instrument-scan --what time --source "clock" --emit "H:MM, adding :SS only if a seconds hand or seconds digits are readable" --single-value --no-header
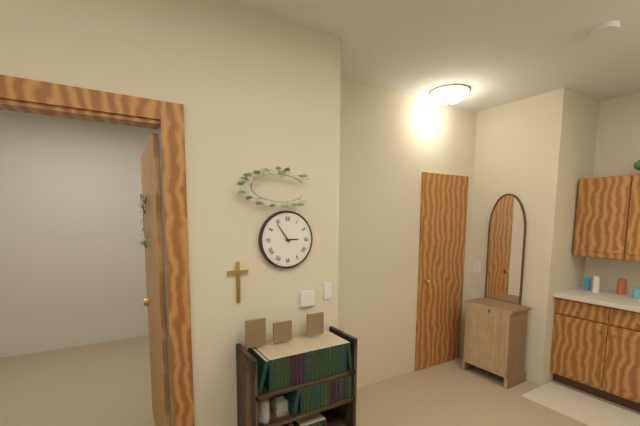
2:54
